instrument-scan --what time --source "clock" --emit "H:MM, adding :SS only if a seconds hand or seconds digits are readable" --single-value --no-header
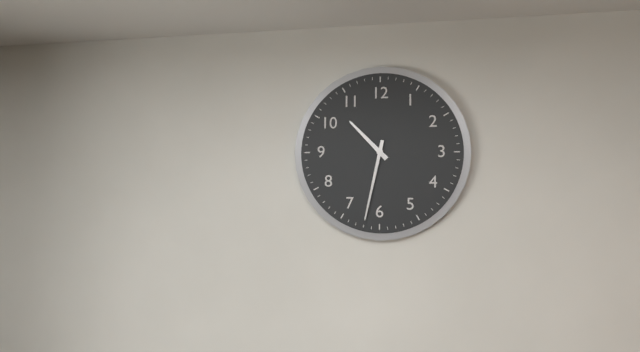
10:32
